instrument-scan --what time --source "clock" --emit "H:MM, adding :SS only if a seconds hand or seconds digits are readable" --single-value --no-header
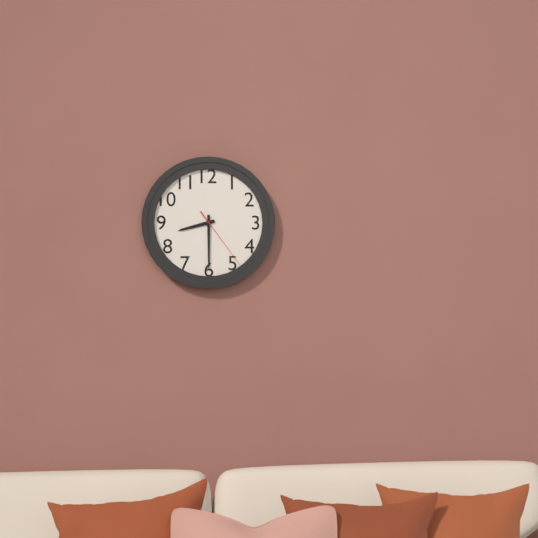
8:30:24
